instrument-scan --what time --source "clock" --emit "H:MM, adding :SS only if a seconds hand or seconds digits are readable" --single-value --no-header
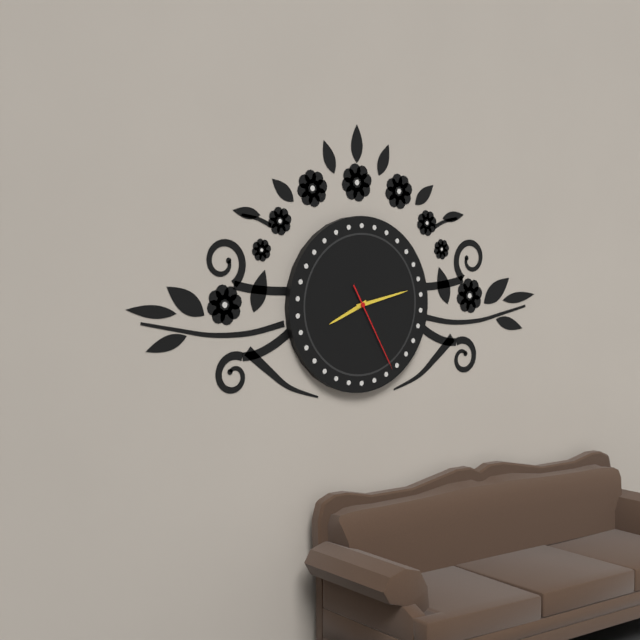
8:13:25
